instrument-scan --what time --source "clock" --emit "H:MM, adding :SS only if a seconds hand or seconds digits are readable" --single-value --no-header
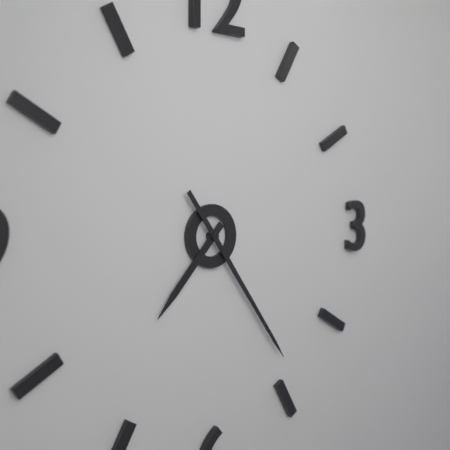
7:24
